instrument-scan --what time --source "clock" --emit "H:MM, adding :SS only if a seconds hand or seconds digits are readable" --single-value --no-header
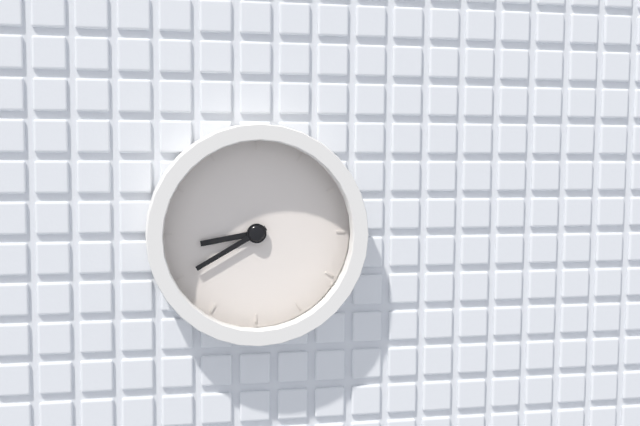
8:40
